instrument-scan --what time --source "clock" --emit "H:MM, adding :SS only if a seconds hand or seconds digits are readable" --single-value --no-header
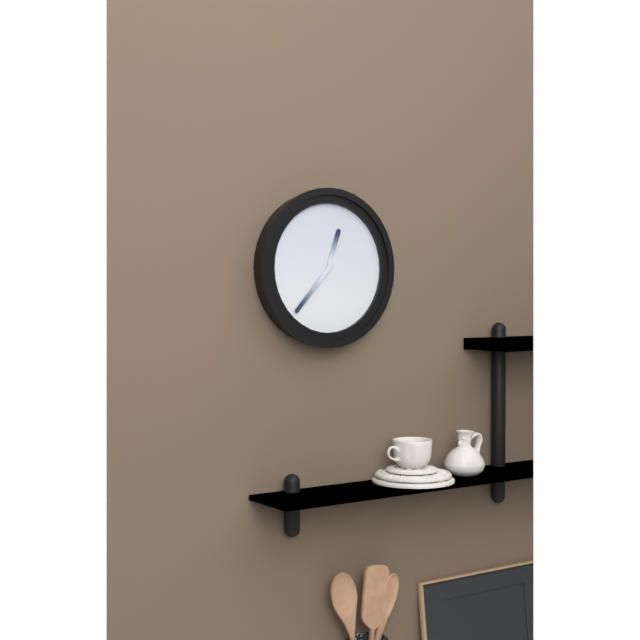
12:37
